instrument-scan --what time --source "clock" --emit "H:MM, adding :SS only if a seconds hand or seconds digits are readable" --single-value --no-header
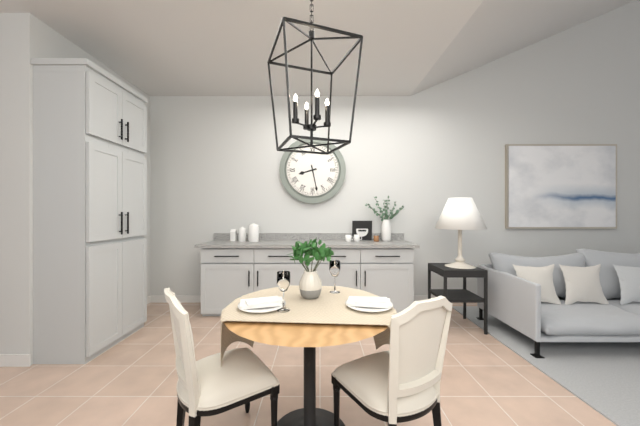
8:28
